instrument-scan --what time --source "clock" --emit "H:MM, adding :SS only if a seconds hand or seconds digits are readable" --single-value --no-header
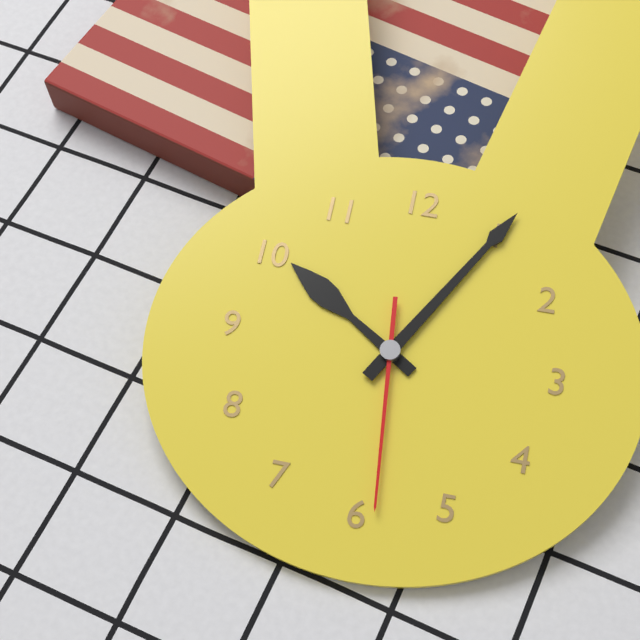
10:05:29
